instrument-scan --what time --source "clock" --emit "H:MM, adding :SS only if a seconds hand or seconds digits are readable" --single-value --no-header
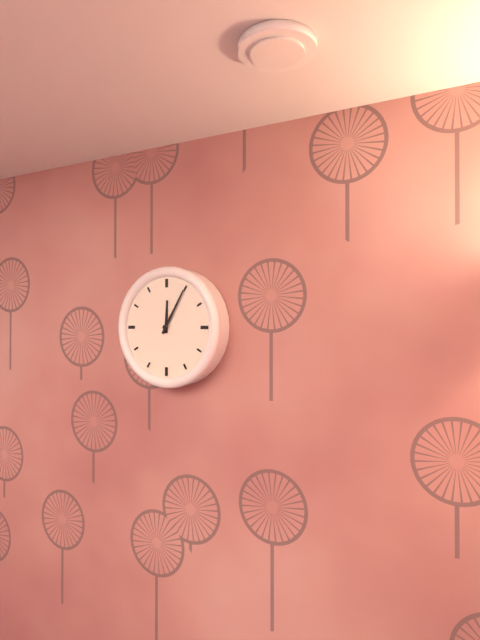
12:05
